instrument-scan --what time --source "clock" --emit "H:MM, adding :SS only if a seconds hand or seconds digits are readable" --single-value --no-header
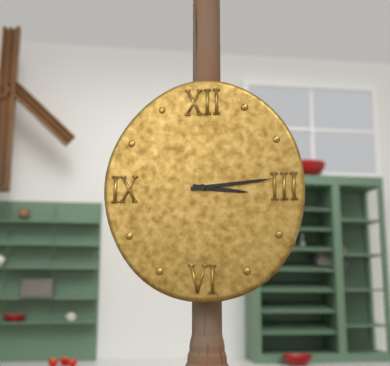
3:14
